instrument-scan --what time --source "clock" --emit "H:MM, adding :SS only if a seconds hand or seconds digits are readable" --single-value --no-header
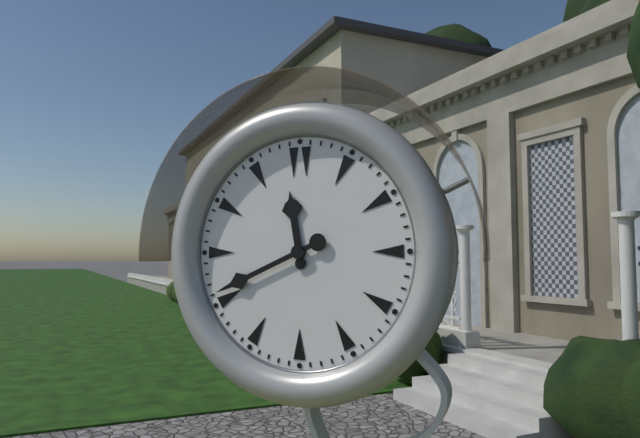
11:41
